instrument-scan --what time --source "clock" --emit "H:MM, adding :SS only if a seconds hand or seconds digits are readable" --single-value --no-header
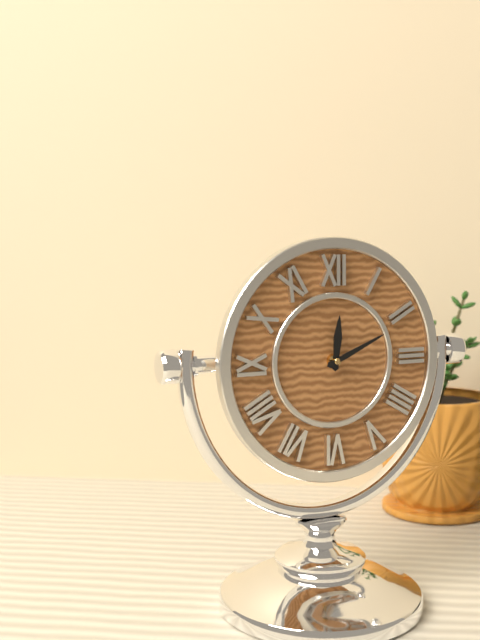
12:11
